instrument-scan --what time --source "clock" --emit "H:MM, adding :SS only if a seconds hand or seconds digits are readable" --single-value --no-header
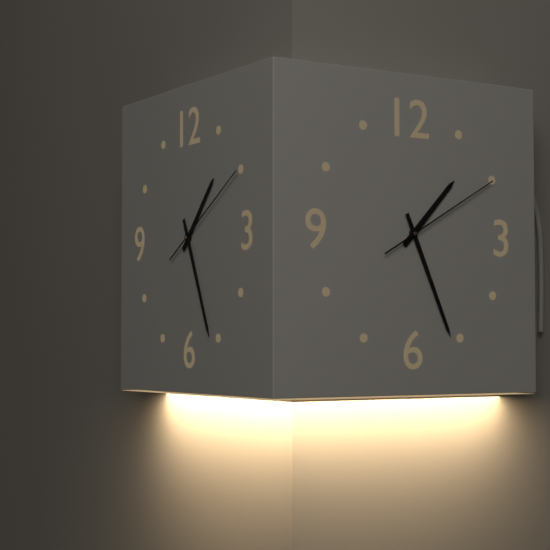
1:26:10
